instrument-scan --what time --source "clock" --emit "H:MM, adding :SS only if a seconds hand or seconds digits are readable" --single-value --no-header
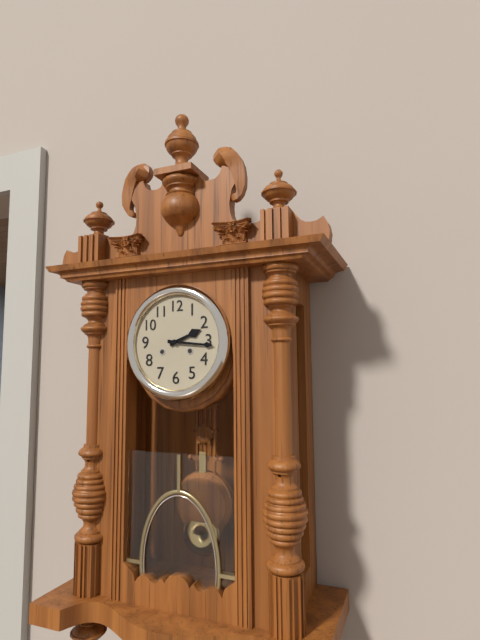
2:16
